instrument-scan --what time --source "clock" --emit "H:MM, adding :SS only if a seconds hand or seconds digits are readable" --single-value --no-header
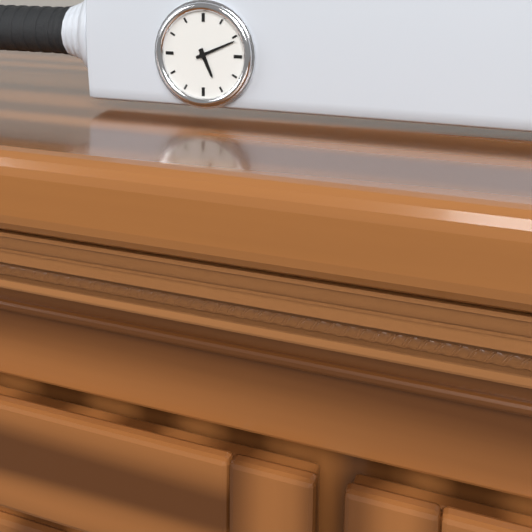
5:11
